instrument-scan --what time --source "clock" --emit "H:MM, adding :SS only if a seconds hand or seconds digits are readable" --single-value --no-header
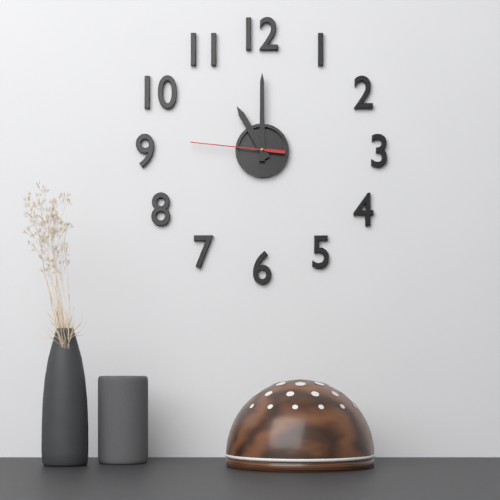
11:00:46
